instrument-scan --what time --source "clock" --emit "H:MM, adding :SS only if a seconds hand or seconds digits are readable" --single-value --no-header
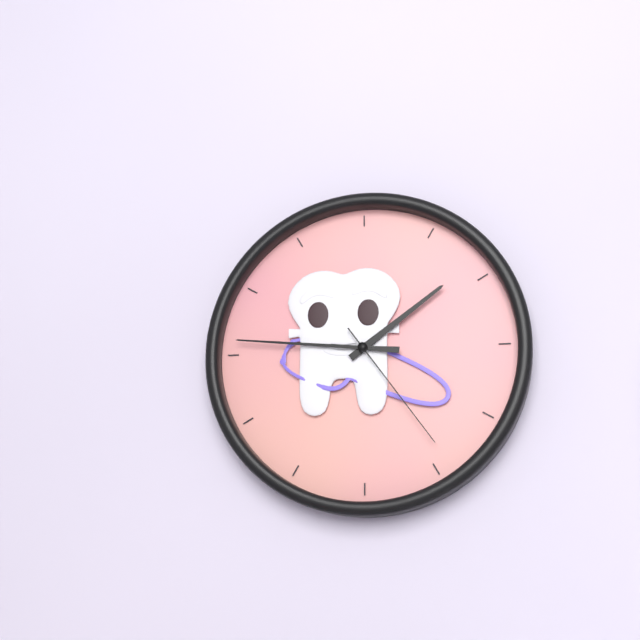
1:46:24
